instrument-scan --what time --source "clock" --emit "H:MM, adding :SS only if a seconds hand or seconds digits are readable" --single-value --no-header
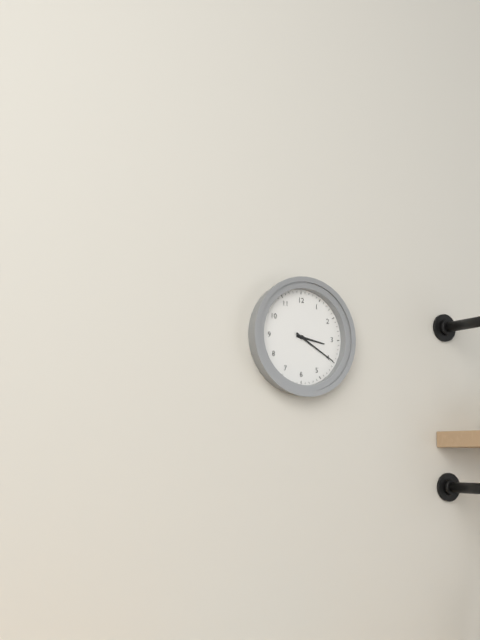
3:20
